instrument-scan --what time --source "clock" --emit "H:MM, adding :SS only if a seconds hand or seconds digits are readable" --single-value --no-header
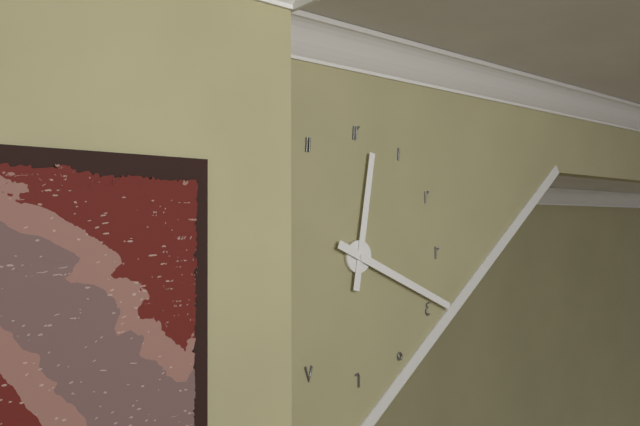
12:19
